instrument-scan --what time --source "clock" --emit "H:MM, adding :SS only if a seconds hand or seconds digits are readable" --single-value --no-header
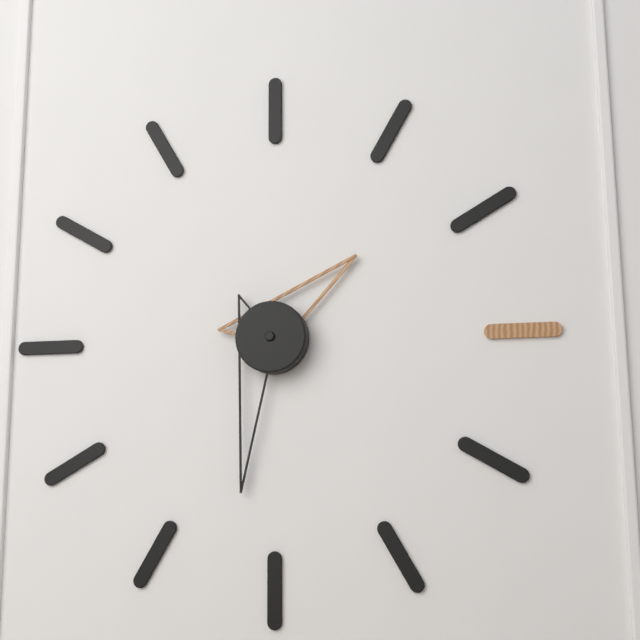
1:32
